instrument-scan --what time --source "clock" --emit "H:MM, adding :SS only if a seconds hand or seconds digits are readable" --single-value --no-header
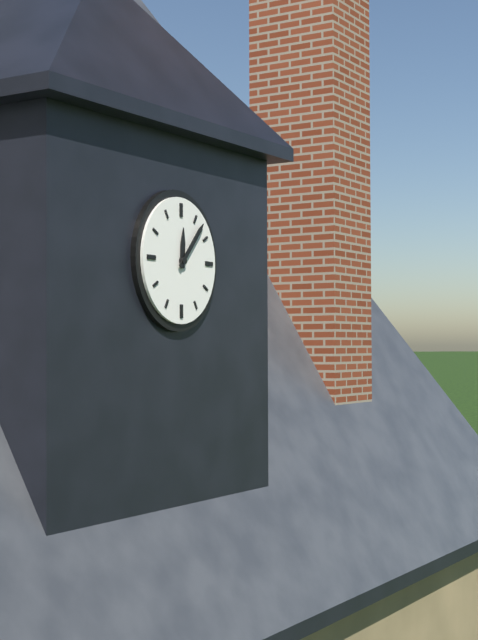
12:07
